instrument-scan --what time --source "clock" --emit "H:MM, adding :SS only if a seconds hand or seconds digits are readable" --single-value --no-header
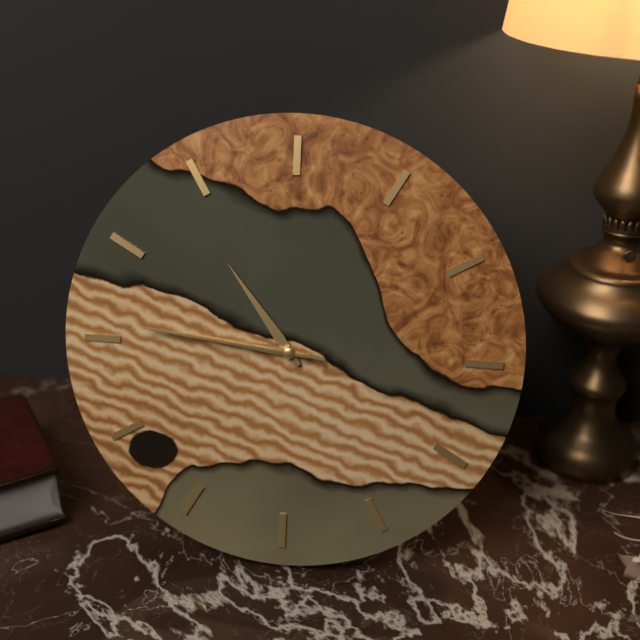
10:46:46
